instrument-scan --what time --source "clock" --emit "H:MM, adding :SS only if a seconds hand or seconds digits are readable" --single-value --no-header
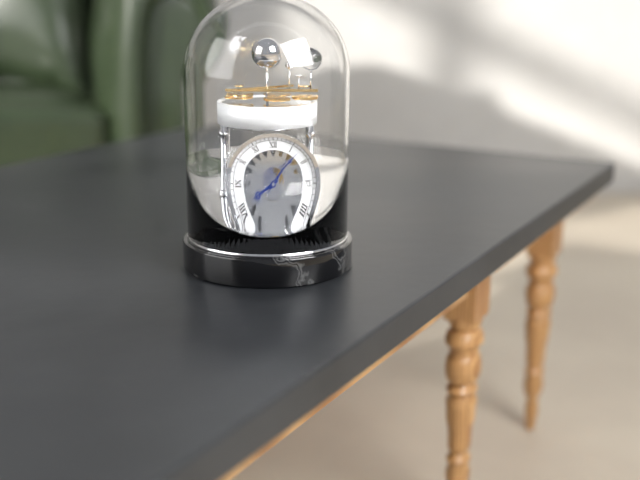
8:07
